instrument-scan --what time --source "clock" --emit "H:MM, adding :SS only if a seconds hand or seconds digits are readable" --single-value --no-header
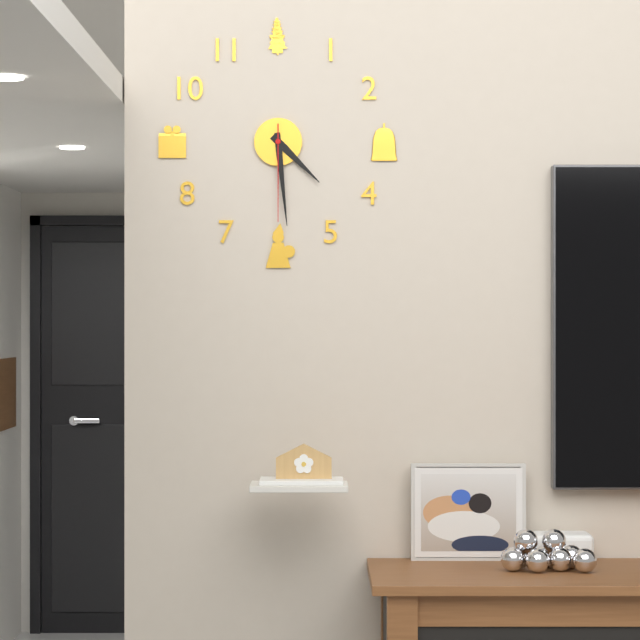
4:29:30
